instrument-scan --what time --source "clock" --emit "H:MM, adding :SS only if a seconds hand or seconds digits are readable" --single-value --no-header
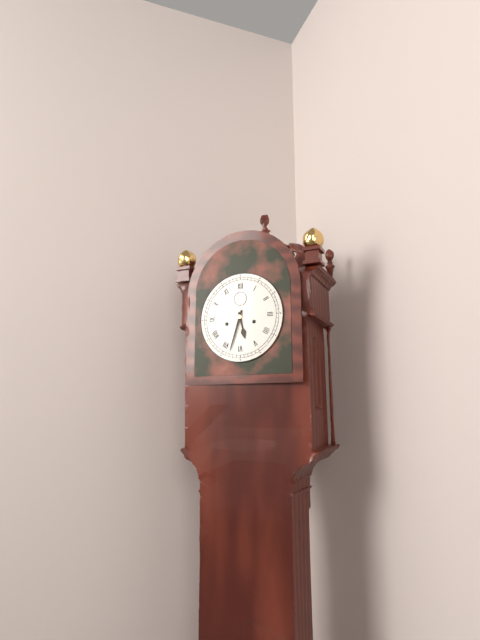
5:33
